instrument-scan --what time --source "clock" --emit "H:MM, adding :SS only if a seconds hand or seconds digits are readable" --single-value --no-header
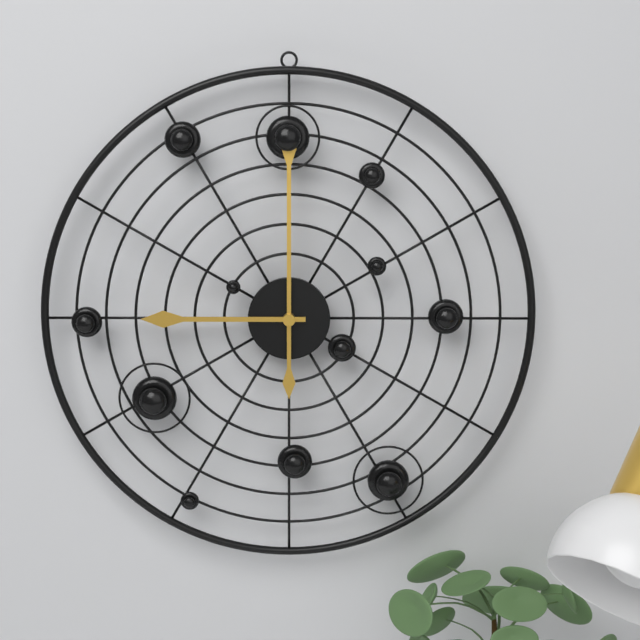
9:00
